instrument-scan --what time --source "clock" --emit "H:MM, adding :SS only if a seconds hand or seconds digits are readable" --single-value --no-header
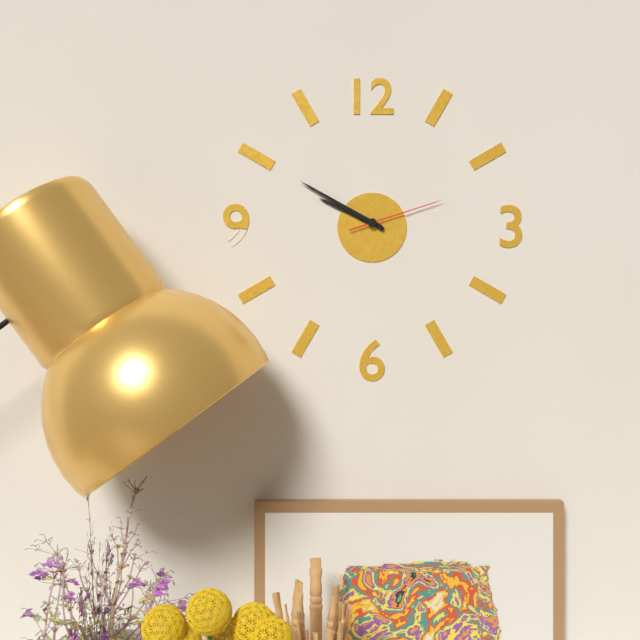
9:50:12
